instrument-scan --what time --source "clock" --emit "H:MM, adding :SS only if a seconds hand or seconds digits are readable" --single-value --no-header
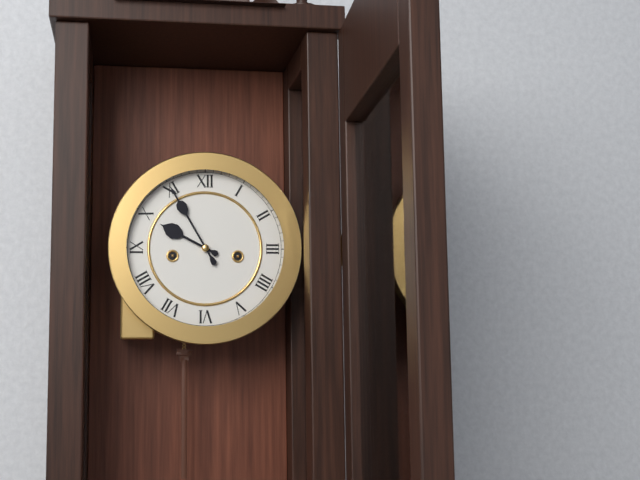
9:55
